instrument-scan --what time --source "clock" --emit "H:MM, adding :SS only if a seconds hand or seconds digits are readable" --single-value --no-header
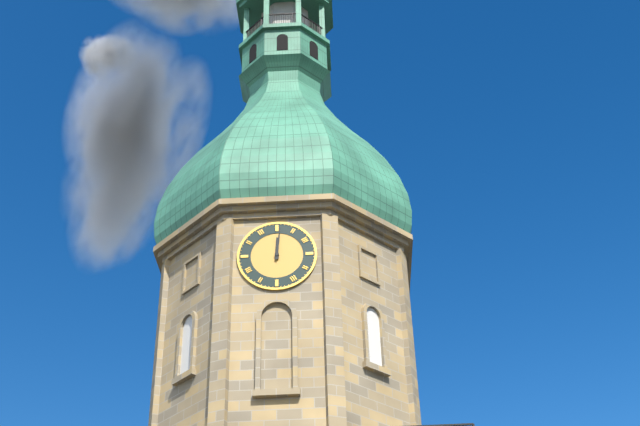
12:01
